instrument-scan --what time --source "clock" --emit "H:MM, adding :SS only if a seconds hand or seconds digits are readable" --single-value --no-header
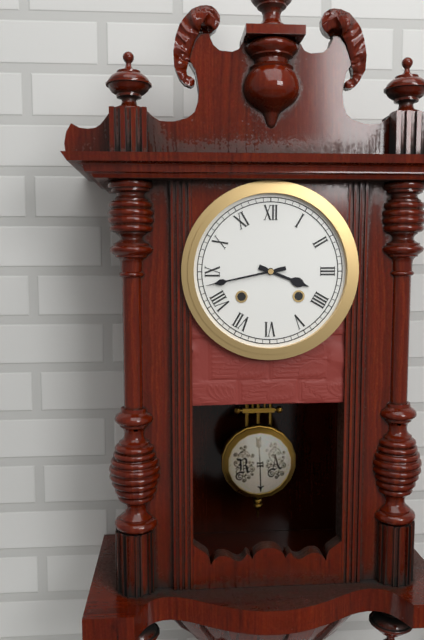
3:43
